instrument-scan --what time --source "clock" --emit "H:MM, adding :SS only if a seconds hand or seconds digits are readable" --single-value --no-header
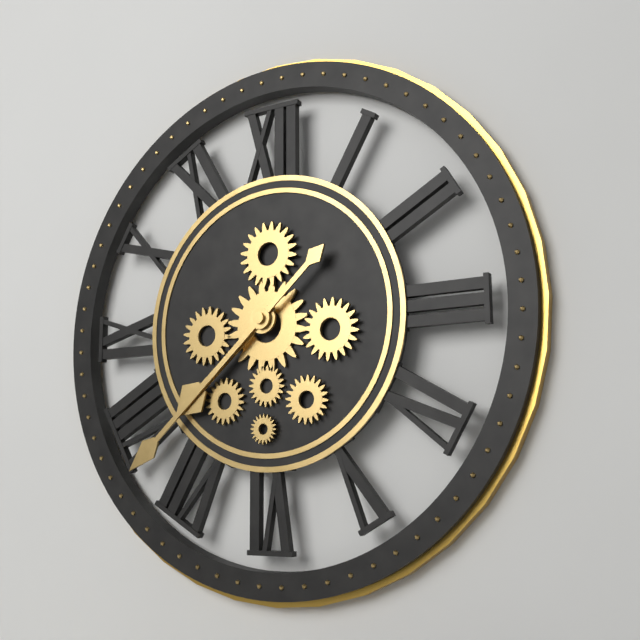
7:38
